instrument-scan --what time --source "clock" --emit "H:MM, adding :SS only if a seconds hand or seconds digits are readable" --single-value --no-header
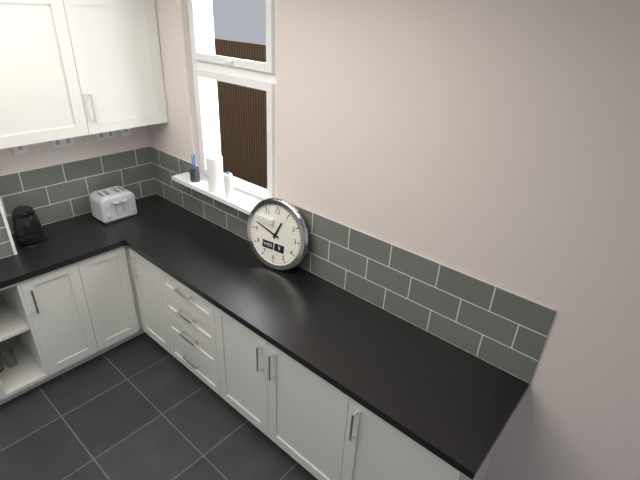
12:48
